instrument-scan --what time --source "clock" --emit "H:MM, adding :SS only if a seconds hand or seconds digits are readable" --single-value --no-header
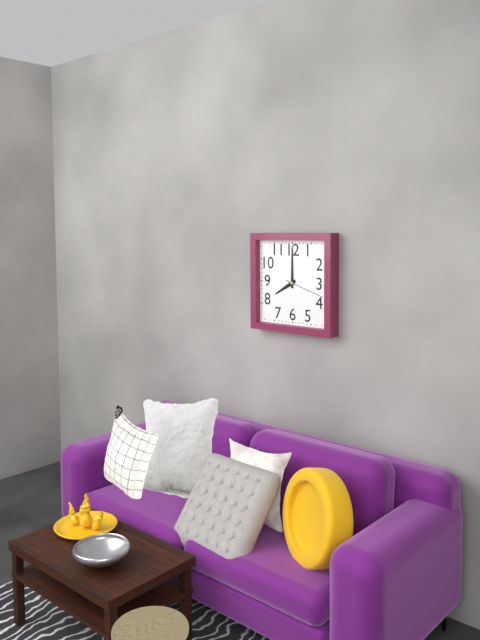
8:00
